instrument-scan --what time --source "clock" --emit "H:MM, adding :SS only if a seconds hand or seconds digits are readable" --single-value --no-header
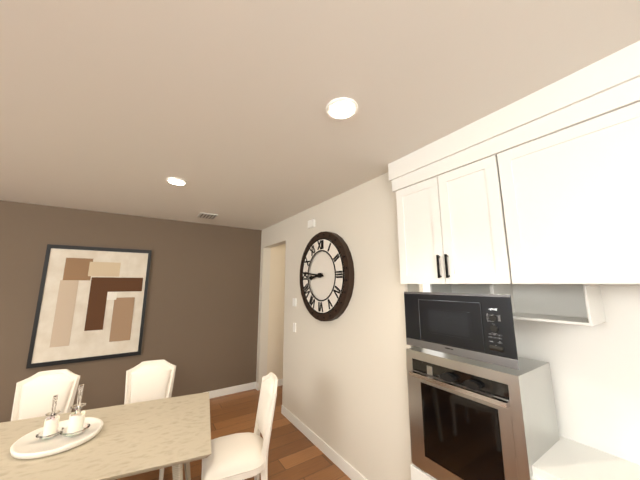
8:46
